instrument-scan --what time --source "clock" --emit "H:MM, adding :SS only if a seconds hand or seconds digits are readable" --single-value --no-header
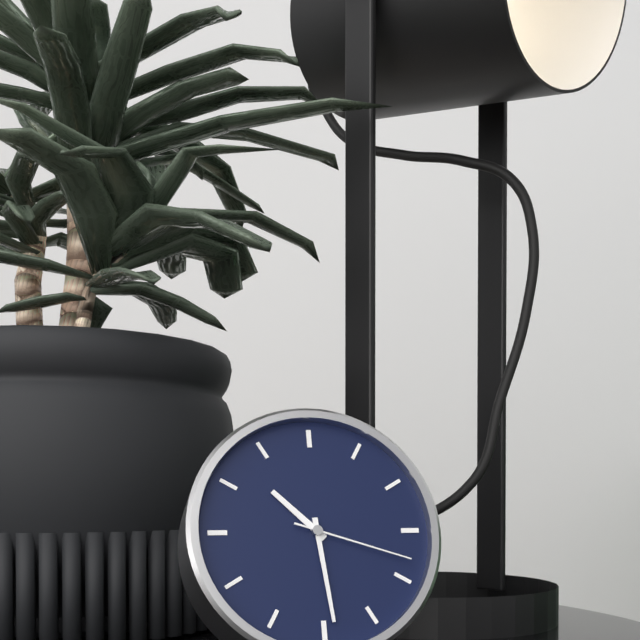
10:29:18
